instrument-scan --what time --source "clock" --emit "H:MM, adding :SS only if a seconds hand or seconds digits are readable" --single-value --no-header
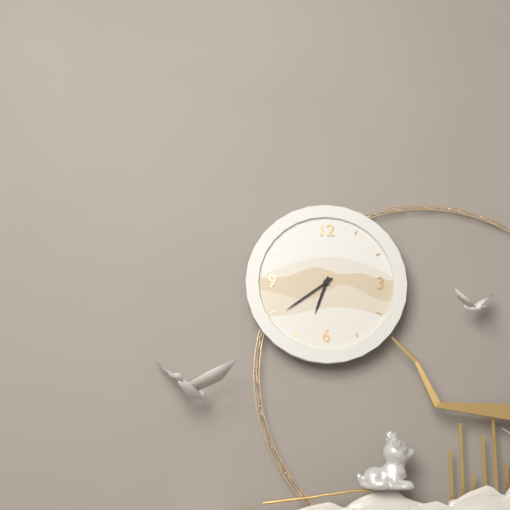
6:39
